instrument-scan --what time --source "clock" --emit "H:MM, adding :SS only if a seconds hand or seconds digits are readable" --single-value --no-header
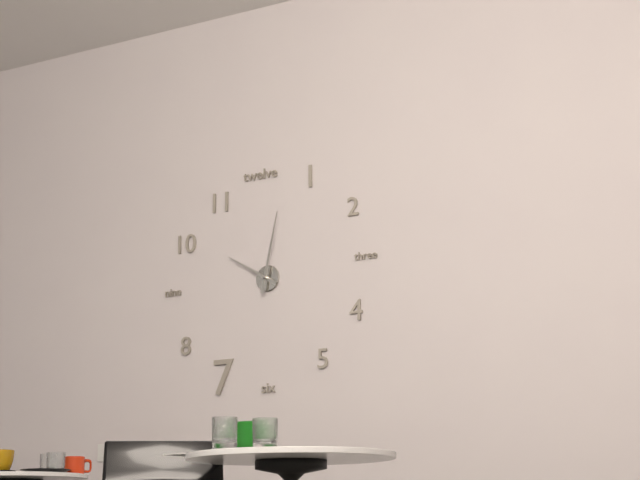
10:02
